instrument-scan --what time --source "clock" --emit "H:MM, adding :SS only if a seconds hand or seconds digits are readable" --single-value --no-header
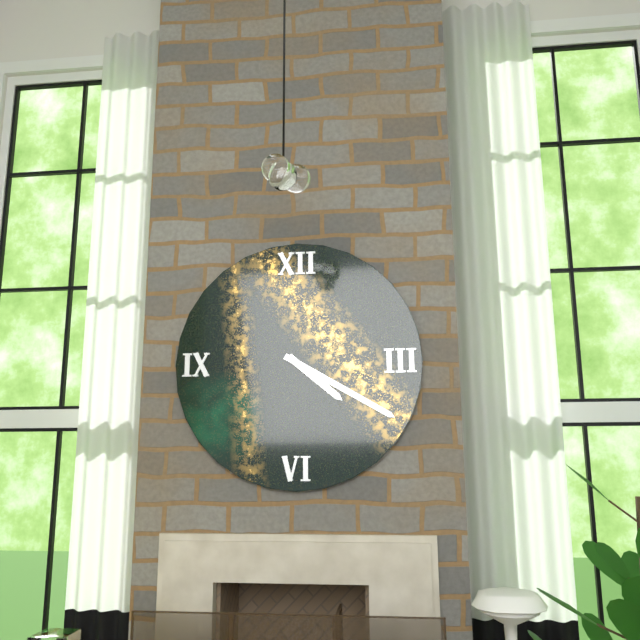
4:20
